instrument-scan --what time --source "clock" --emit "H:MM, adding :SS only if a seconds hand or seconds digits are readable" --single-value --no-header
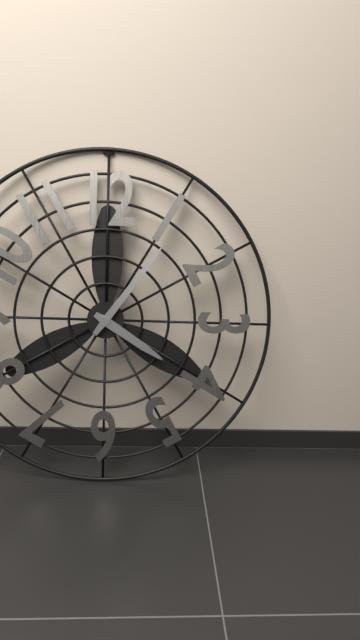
4:06
